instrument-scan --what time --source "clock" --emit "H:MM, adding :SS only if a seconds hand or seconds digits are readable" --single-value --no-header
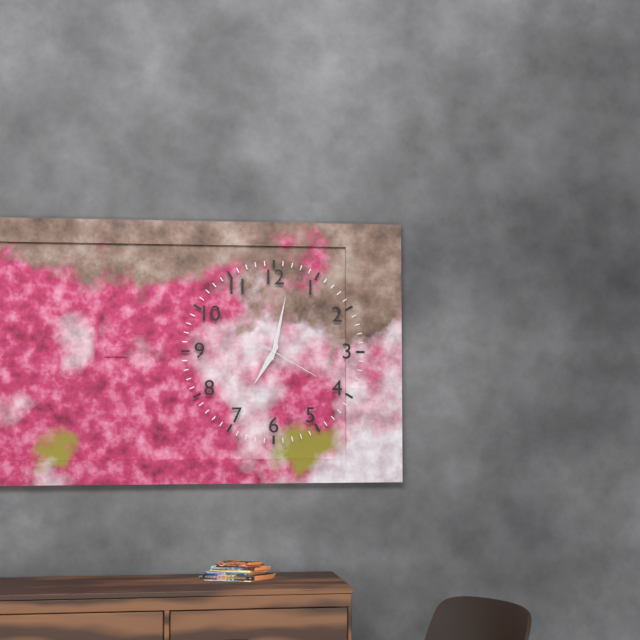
7:02:20
